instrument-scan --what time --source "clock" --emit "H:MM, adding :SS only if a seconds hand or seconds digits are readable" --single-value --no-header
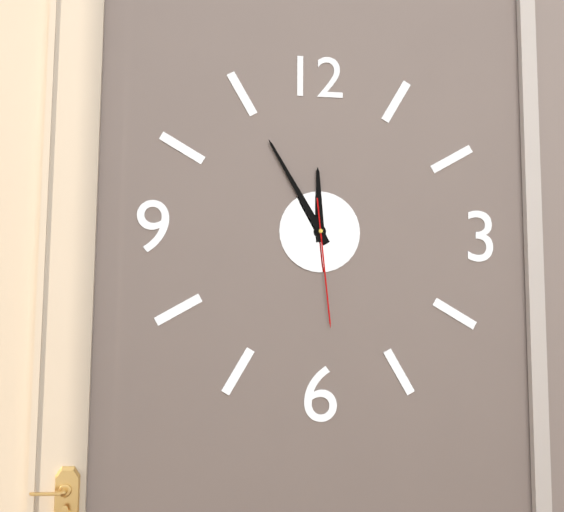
11:55:29
